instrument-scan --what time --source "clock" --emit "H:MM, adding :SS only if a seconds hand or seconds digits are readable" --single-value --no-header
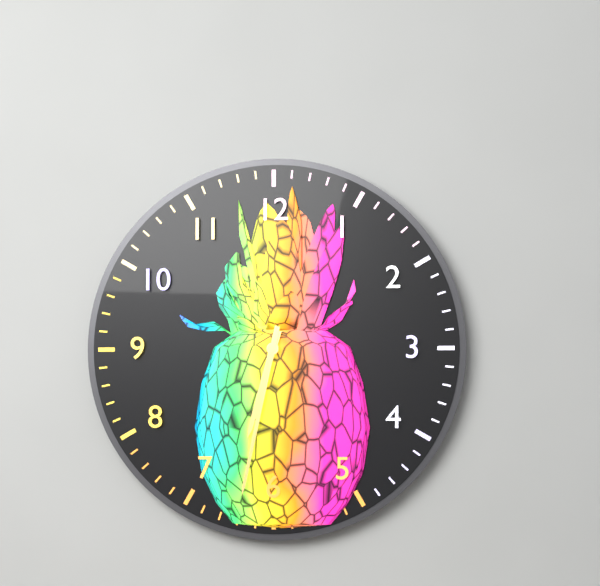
6:32
